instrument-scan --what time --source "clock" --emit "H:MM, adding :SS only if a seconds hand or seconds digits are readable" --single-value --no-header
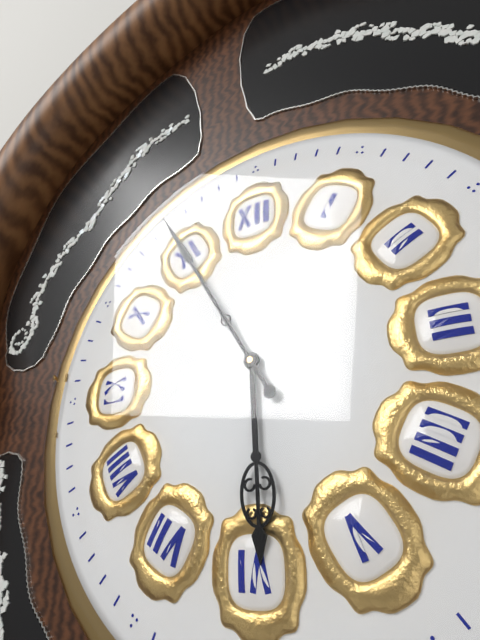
5:55
